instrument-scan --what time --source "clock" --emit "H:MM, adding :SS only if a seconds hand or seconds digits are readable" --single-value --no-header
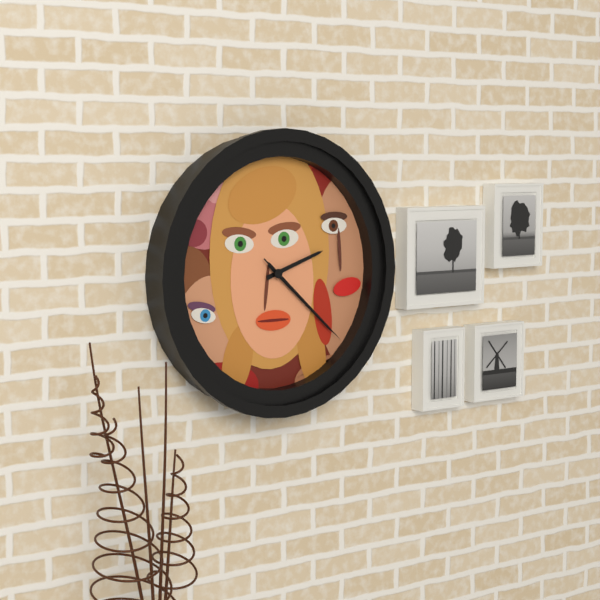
2:22:22
